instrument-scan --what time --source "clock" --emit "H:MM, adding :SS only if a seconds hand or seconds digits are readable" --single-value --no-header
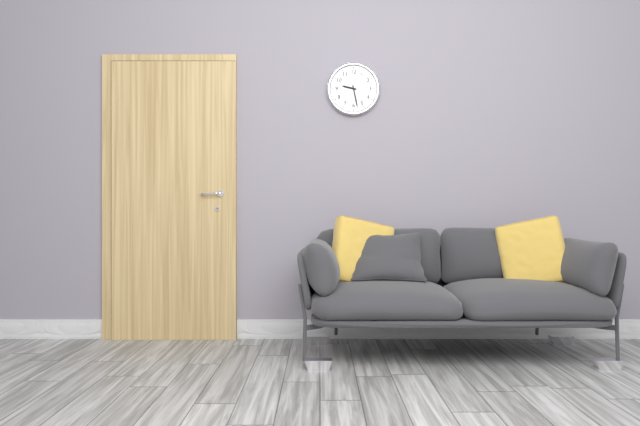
9:28
